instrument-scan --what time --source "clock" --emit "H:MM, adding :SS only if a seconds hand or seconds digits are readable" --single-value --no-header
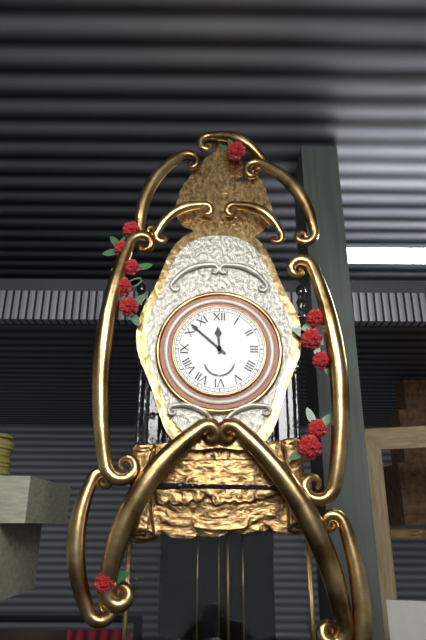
11:52
